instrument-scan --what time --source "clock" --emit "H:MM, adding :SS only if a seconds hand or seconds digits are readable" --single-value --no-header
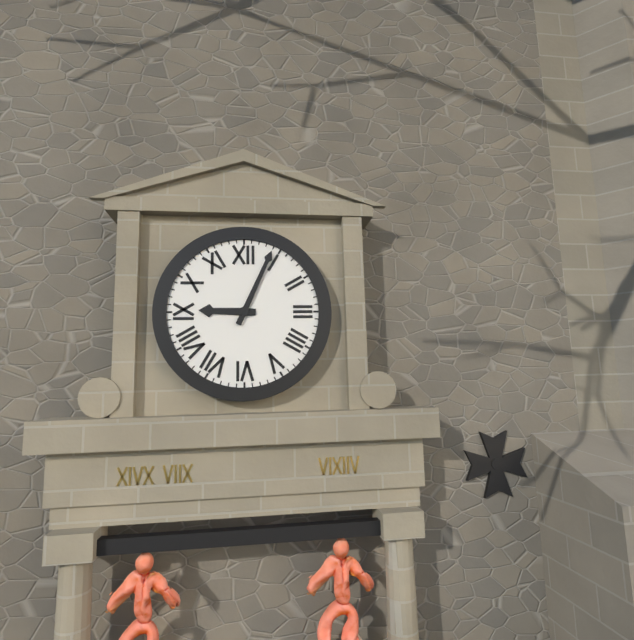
9:04
